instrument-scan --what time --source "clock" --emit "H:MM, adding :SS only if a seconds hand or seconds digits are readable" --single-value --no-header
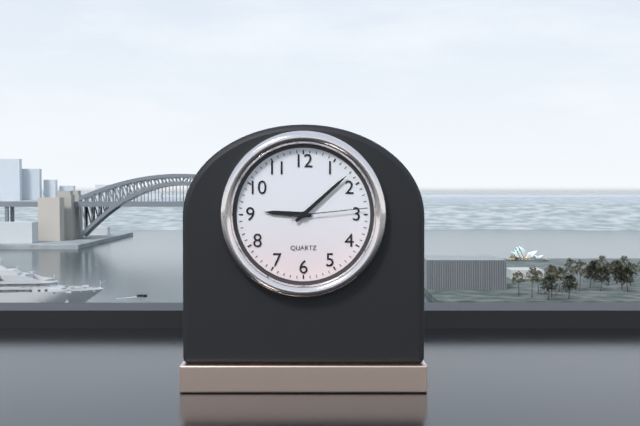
9:08:14
